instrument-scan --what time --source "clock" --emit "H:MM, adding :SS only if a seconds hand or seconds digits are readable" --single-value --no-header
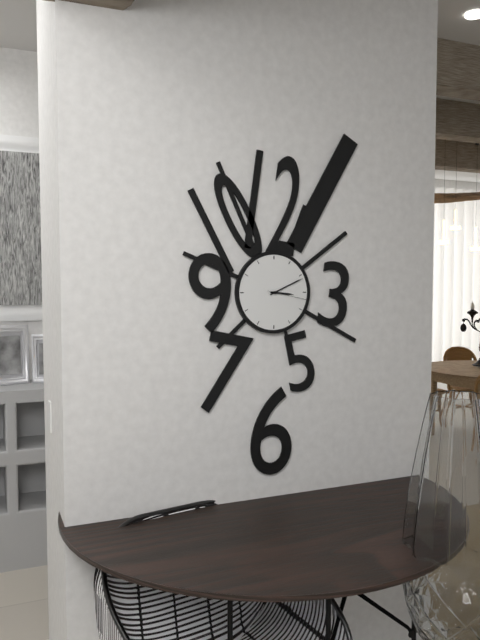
3:11
